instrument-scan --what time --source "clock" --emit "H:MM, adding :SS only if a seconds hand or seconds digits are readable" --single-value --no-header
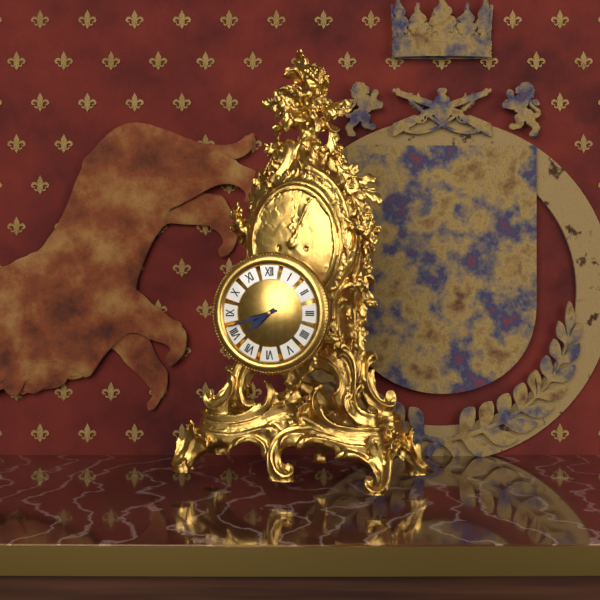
7:42
